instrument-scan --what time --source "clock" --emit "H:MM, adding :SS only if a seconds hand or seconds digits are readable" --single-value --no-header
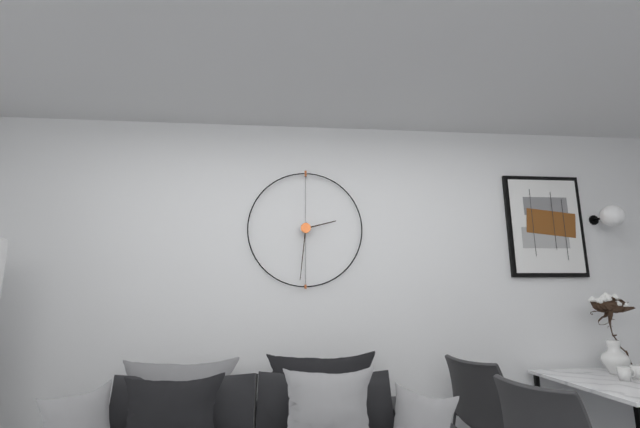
2:31
